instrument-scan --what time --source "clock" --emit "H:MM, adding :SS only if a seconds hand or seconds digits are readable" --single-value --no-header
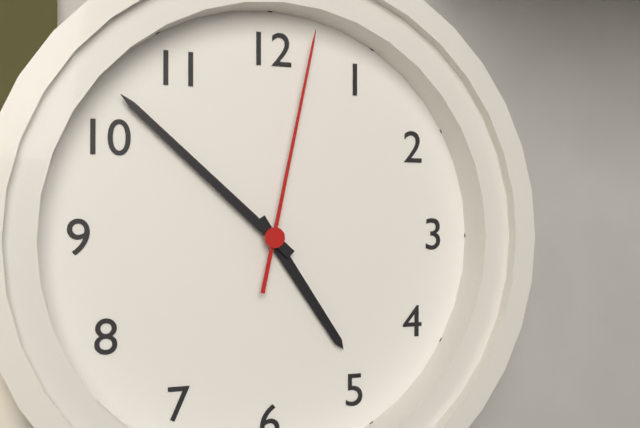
4:52:02
